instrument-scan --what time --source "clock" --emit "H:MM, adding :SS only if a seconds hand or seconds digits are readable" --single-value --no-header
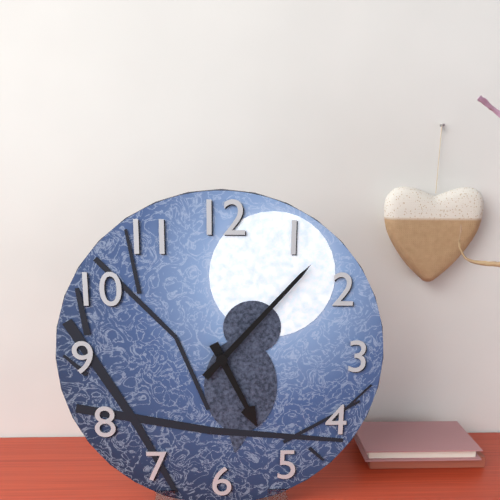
5:07
